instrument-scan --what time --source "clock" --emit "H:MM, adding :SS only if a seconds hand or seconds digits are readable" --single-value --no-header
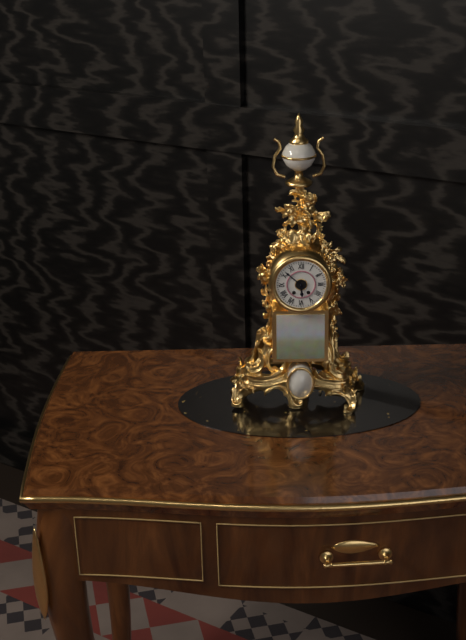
5:52
